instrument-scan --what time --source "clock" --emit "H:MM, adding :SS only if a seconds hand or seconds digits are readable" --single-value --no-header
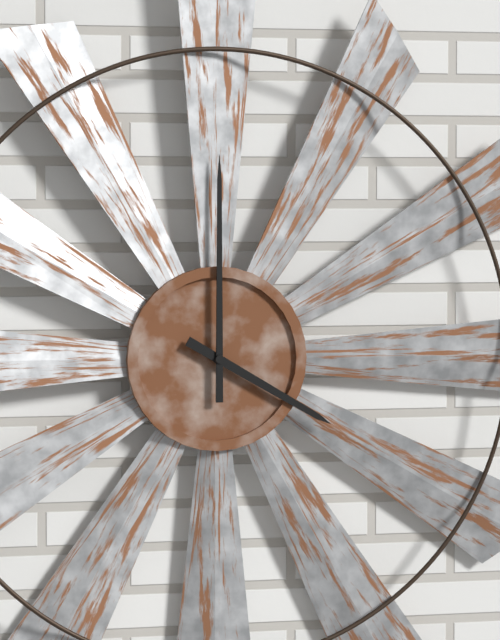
4:00
